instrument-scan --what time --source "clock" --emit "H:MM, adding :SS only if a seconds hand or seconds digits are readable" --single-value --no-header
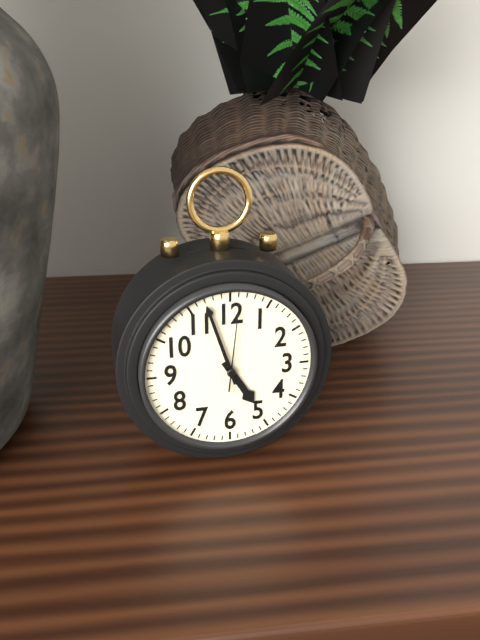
4:57:01
